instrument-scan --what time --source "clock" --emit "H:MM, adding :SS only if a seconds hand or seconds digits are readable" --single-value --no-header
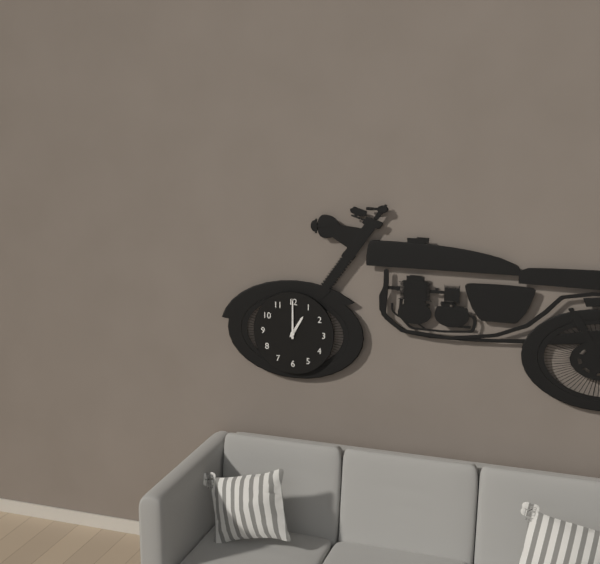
1:00
